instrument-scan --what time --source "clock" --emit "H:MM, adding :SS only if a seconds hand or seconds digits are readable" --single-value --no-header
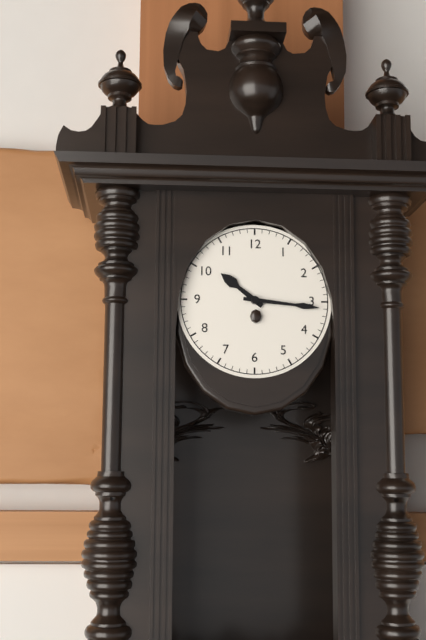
10:16
